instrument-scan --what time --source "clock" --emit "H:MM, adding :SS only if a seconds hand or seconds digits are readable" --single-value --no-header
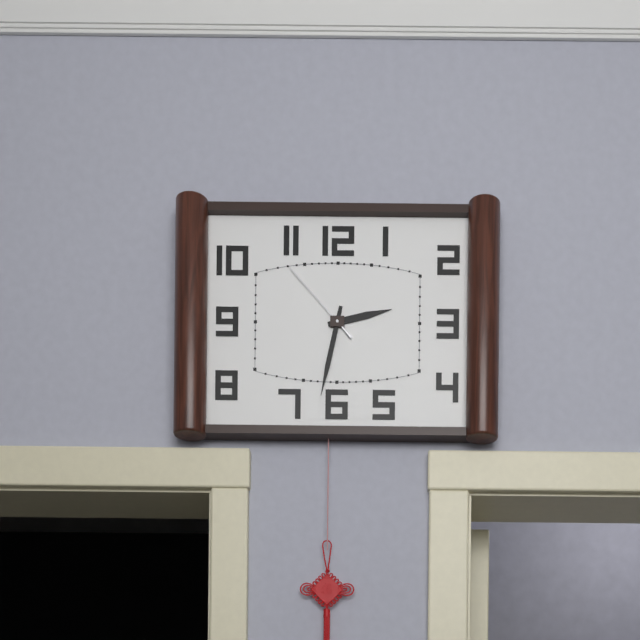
2:32:53
